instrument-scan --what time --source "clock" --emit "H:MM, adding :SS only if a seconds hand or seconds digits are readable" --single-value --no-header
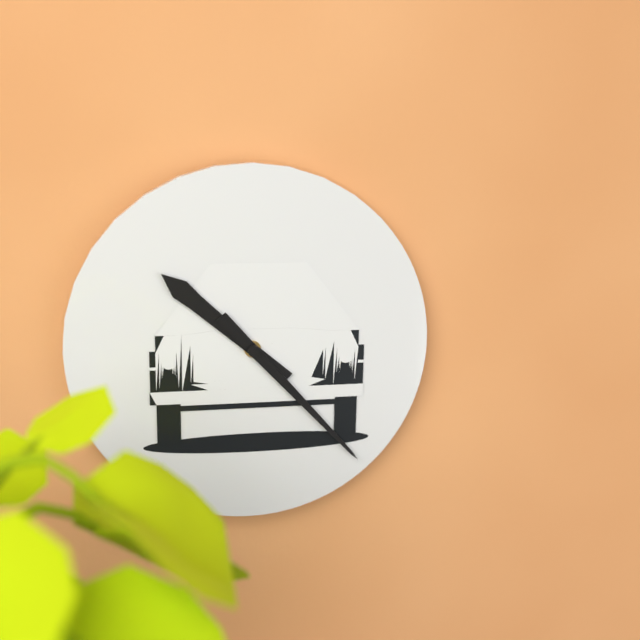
10:23
